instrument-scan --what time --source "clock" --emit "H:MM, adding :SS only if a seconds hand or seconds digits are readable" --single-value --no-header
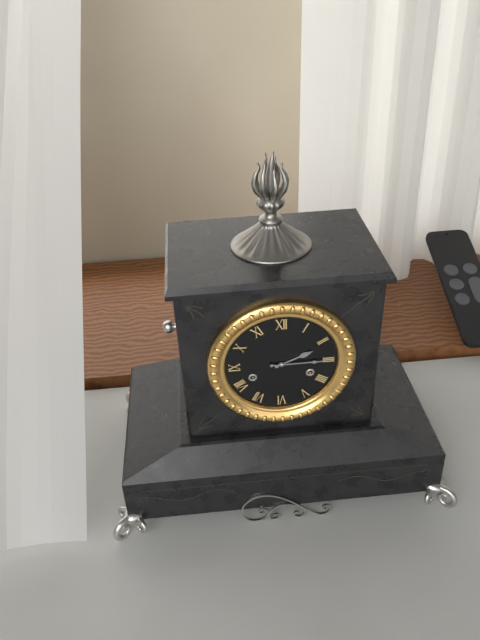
2:15
